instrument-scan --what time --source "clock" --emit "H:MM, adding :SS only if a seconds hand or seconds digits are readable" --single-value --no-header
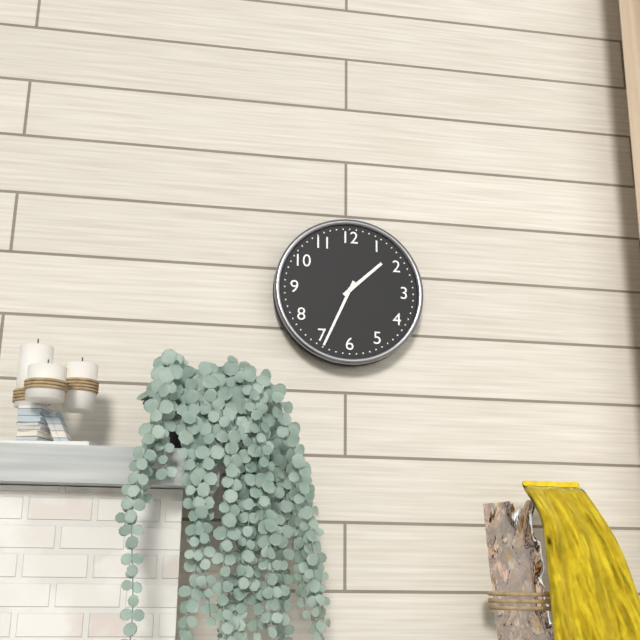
1:34
